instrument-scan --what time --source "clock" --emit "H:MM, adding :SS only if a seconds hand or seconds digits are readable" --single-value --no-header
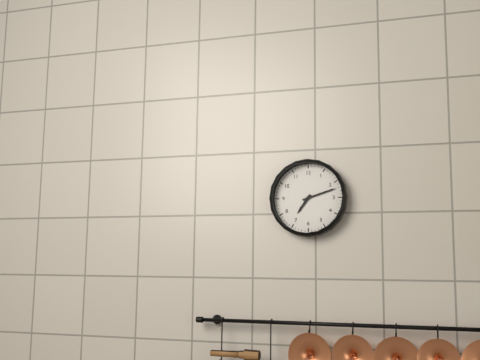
7:12
